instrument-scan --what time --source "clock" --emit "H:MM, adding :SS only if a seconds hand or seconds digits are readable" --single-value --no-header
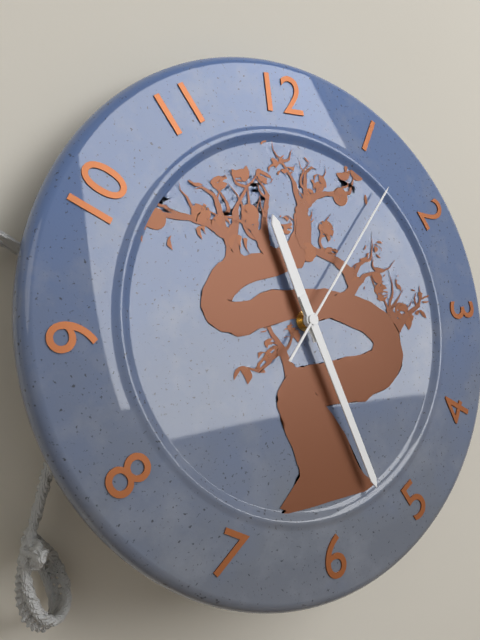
11:27:07
